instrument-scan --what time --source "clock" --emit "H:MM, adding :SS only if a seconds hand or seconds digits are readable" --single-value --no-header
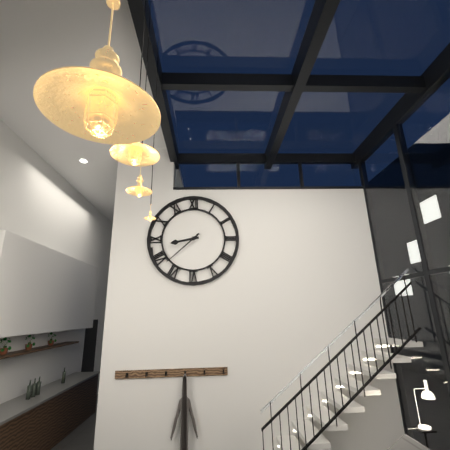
8:38
